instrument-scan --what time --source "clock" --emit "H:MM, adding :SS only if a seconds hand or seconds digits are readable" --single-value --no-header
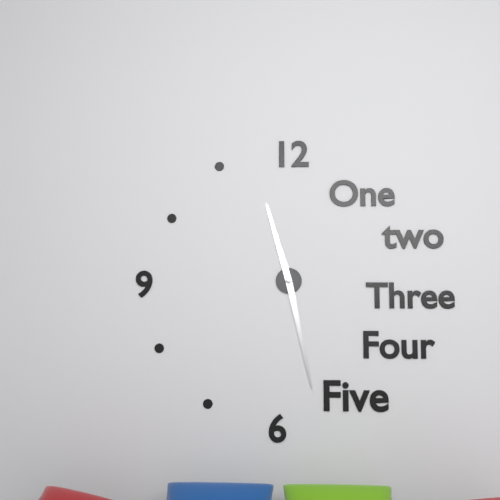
11:28
